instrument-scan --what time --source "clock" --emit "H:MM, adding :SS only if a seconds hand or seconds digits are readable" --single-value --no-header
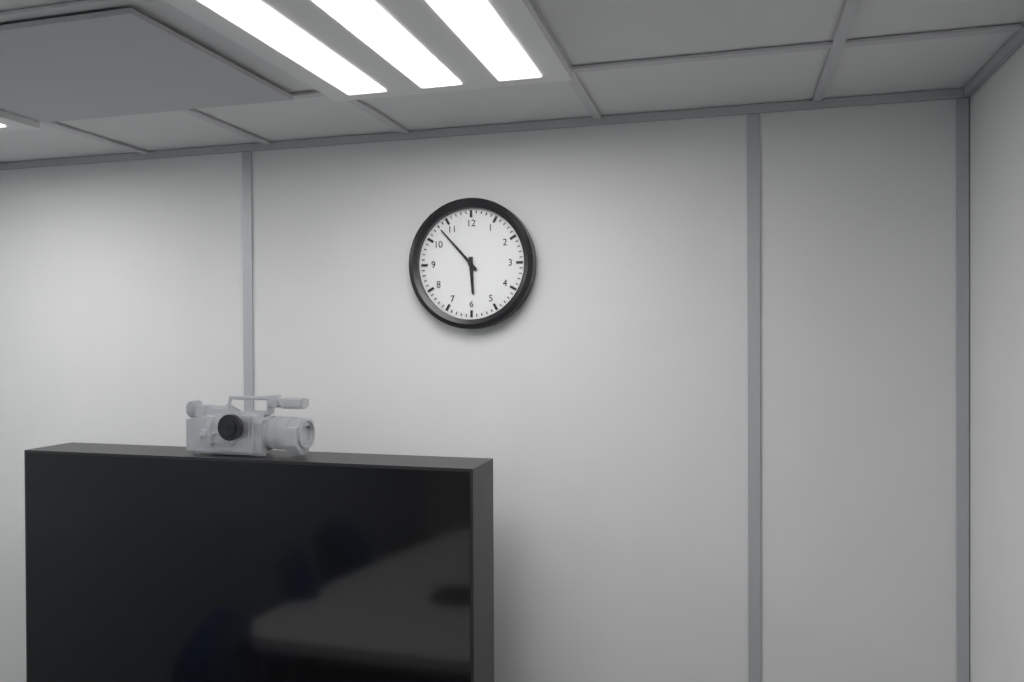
5:53
